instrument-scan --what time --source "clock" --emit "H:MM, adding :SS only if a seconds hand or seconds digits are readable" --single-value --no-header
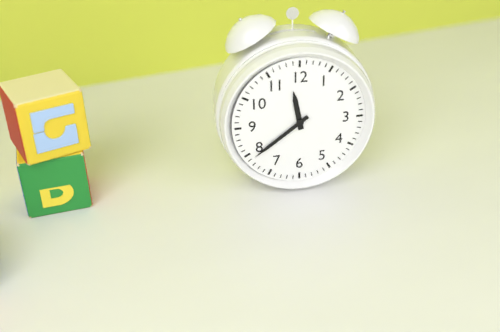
11:39
